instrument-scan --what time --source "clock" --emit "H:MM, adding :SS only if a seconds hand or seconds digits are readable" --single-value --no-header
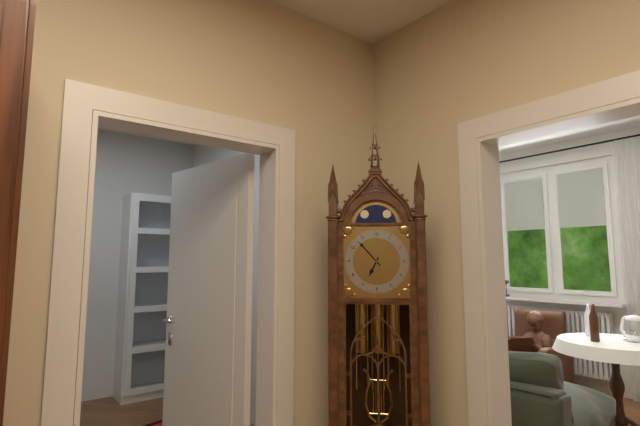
6:53
